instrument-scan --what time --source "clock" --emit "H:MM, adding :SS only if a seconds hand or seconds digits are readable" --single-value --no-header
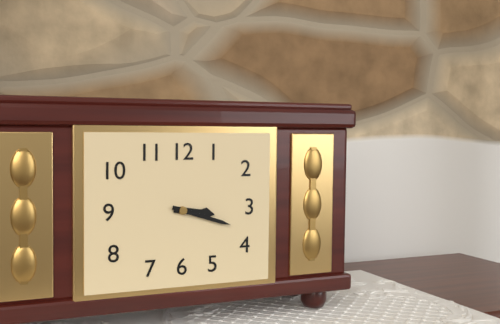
3:18
